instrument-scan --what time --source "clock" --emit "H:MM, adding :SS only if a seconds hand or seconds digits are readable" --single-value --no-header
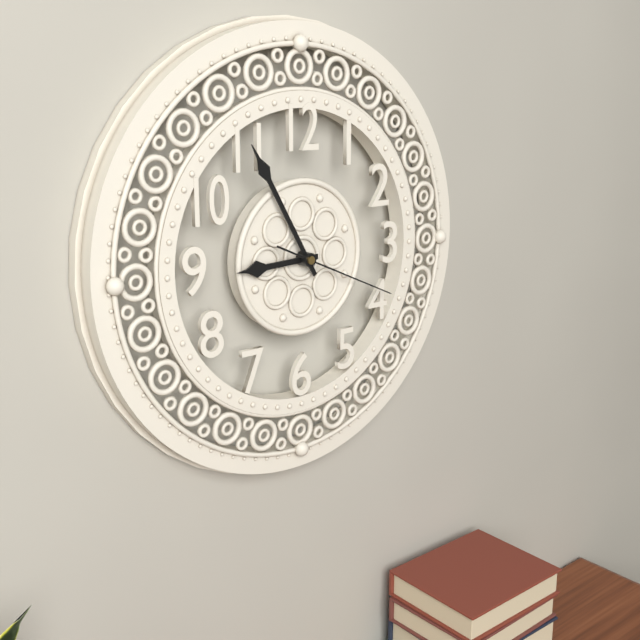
8:55:19
